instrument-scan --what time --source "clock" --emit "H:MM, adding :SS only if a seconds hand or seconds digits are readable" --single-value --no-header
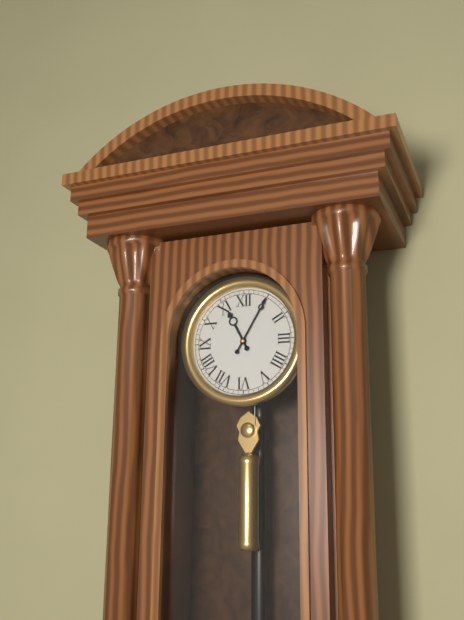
11:05
